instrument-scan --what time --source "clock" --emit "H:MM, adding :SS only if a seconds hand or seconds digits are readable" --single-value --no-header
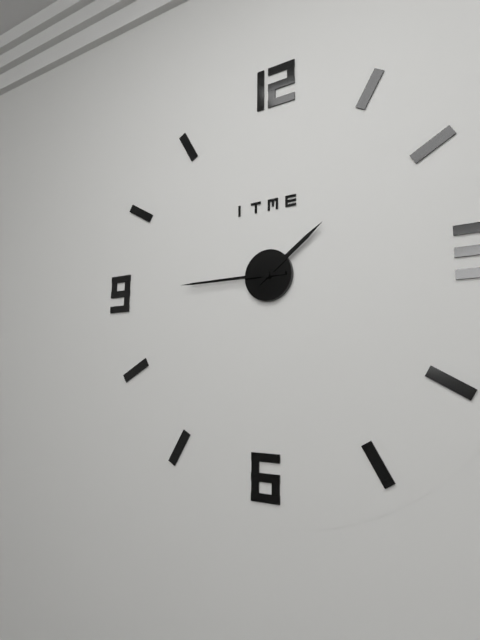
1:45
